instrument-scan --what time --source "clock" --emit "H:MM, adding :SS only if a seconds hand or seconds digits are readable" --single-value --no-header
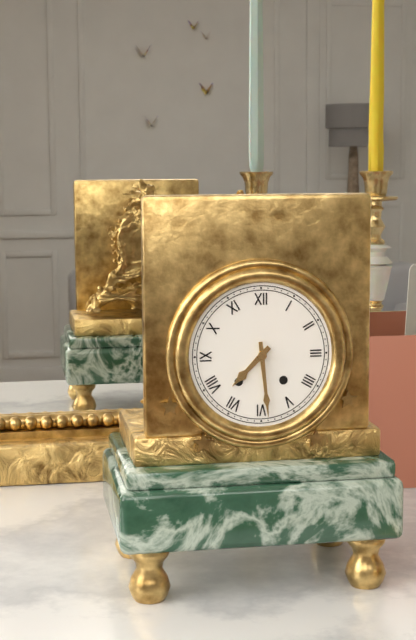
7:29
